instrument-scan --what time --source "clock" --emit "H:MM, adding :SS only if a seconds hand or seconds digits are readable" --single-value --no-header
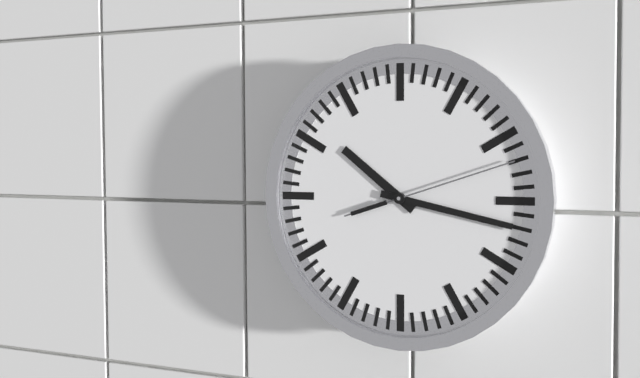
10:17:12
